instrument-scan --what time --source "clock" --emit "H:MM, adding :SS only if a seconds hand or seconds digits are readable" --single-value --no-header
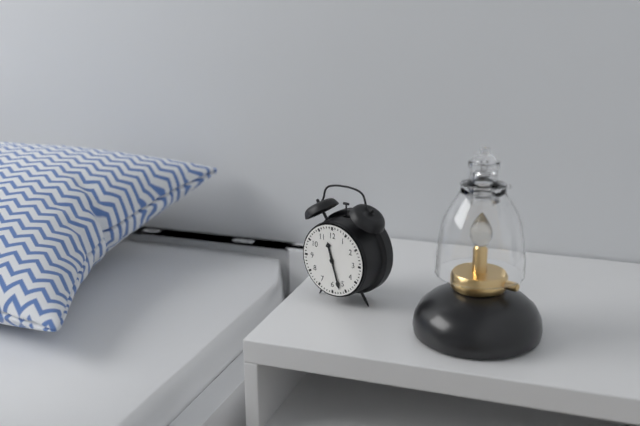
11:27
